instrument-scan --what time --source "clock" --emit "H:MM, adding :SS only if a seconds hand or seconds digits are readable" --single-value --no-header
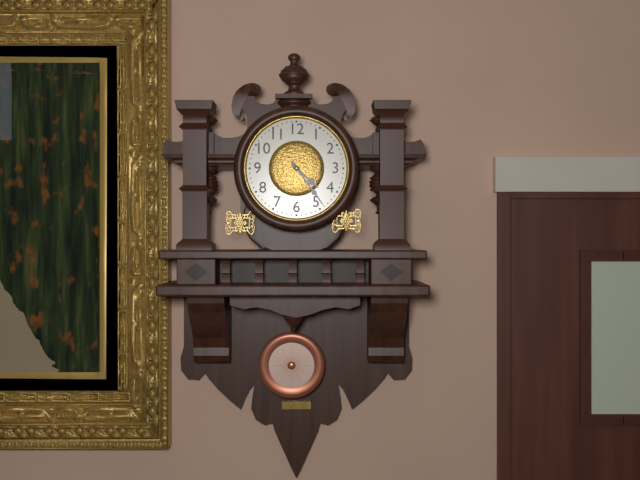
4:24
